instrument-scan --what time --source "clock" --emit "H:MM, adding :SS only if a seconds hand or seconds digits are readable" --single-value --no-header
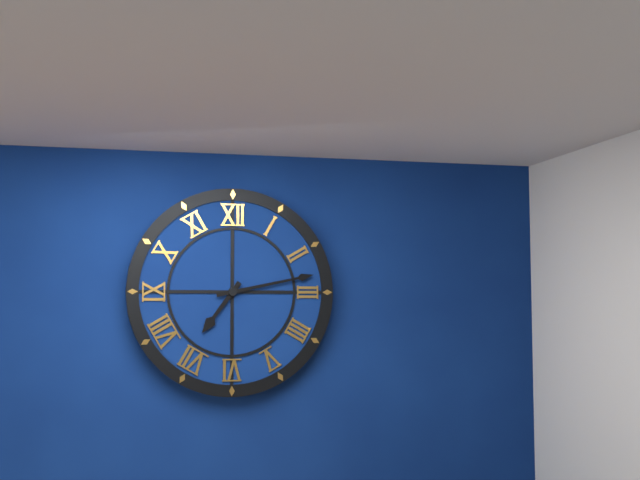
7:13
